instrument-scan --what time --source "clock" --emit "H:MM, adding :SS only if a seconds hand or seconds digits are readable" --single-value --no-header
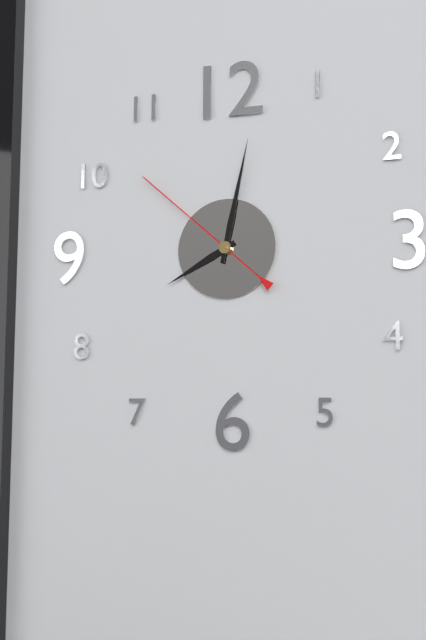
8:02:52
